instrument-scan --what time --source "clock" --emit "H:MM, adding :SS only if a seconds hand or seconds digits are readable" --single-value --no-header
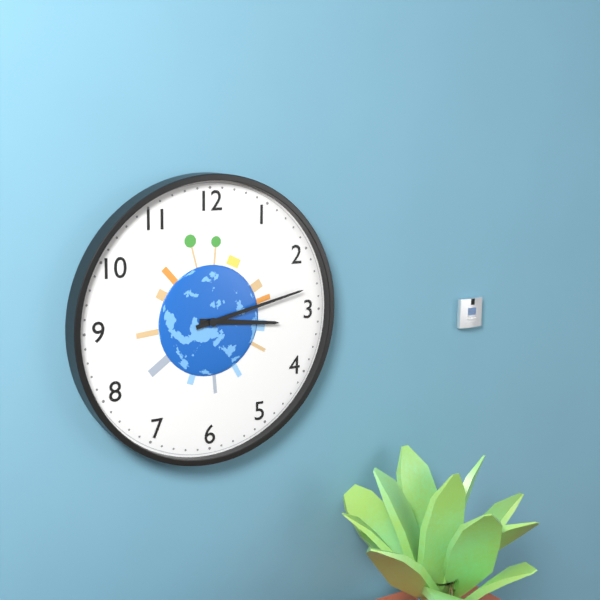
3:13
